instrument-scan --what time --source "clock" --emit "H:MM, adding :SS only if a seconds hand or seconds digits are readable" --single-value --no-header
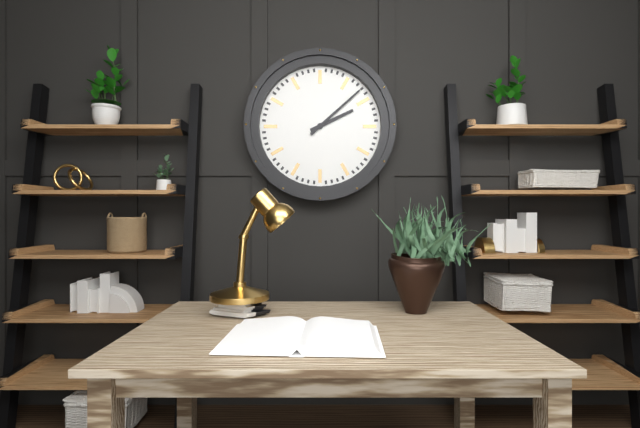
2:08
